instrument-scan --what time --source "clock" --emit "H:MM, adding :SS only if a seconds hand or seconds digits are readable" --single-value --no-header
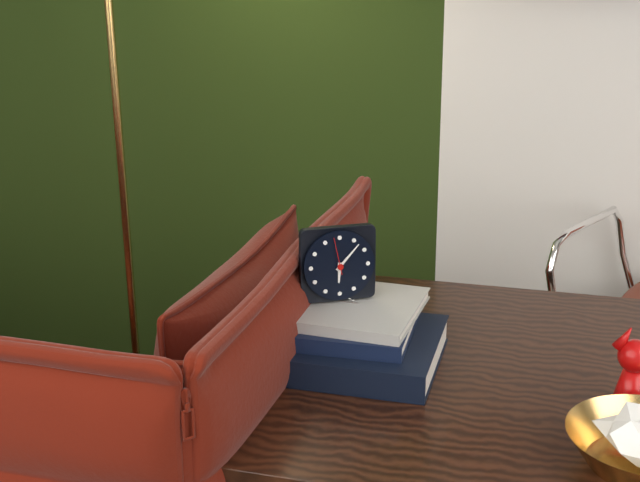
6:07
